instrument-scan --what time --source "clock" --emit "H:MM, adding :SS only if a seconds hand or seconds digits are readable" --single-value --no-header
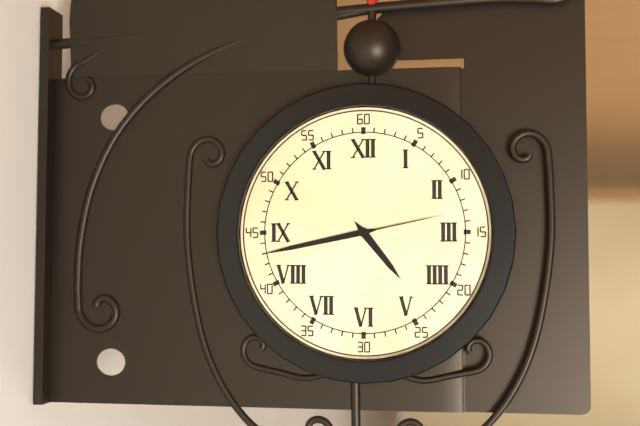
4:43:13
